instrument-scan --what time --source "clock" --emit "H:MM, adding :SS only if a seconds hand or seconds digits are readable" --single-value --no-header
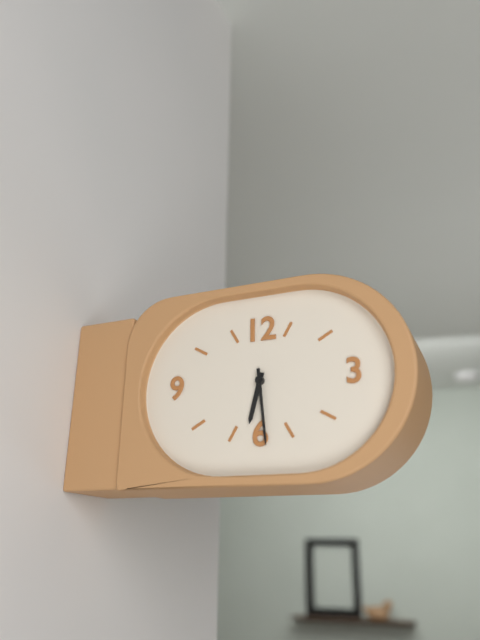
6:29
